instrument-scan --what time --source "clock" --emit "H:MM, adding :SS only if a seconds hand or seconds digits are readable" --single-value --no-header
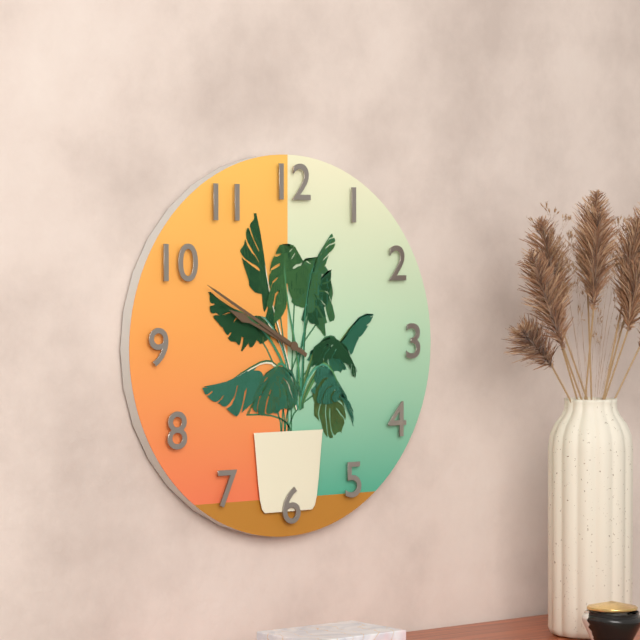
9:50
